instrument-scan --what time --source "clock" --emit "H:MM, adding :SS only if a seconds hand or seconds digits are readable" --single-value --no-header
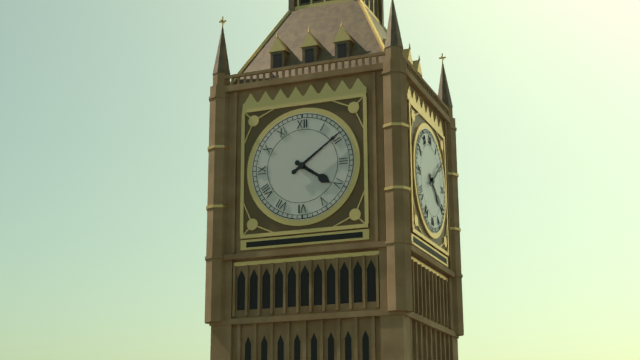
4:09
